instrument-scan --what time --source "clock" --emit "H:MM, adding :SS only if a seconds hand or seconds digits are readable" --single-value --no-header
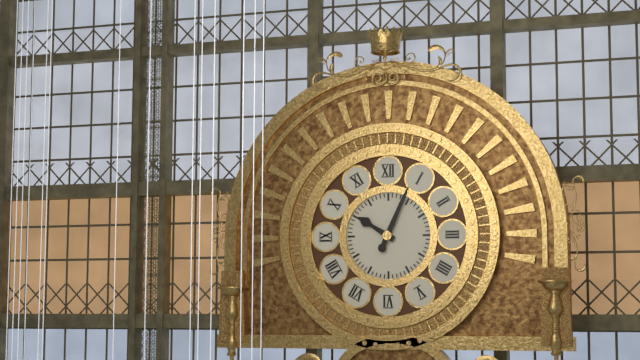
10:04
